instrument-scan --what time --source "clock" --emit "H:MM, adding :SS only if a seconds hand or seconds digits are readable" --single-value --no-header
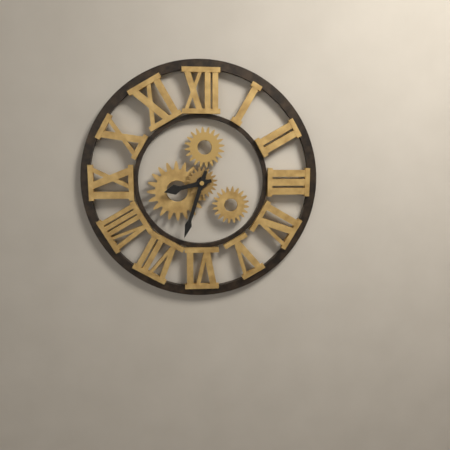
8:33
